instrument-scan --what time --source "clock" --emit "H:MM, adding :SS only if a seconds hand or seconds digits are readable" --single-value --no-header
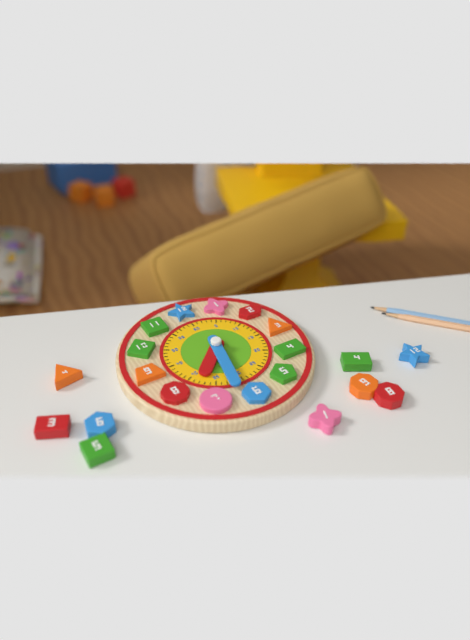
7:32
